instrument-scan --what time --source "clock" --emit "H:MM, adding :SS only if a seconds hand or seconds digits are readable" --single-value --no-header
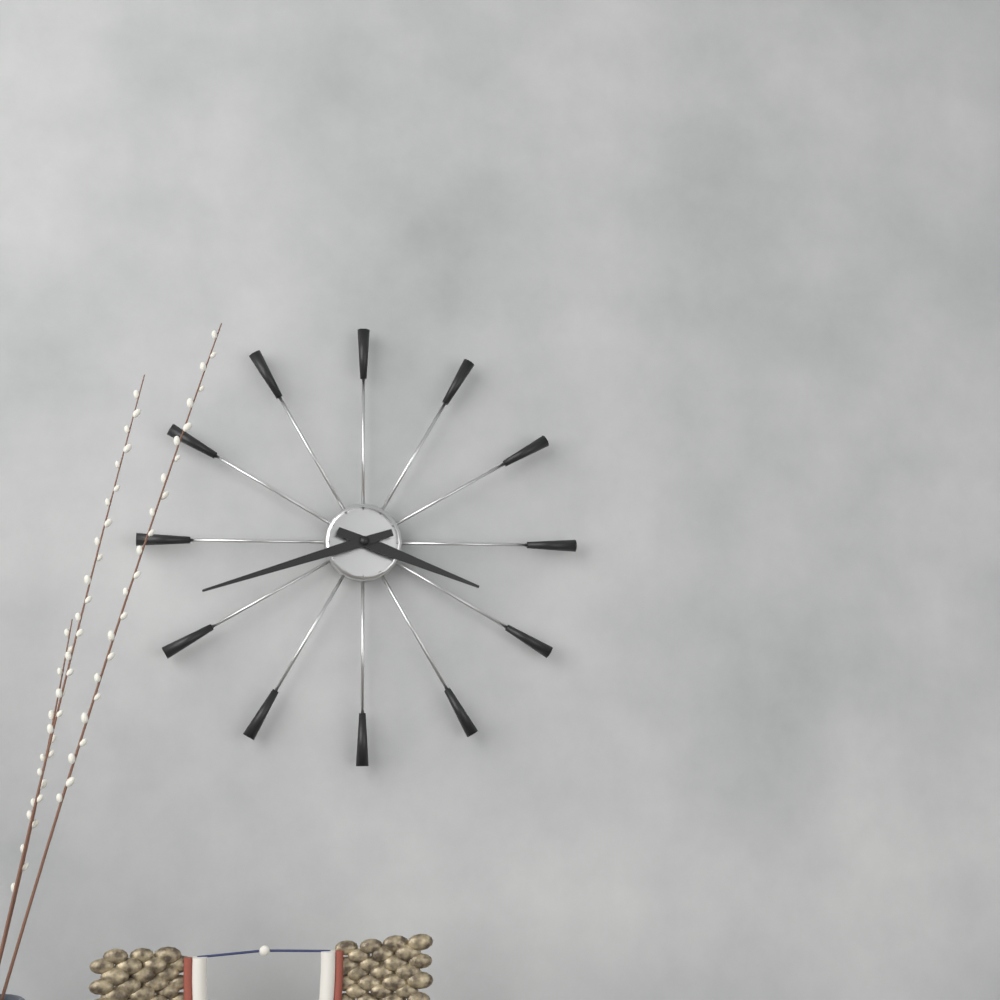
3:42
